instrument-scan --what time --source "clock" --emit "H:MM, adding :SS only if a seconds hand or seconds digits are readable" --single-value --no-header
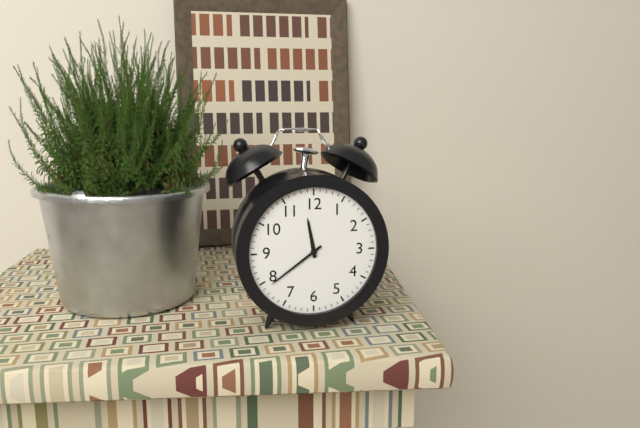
11:39
